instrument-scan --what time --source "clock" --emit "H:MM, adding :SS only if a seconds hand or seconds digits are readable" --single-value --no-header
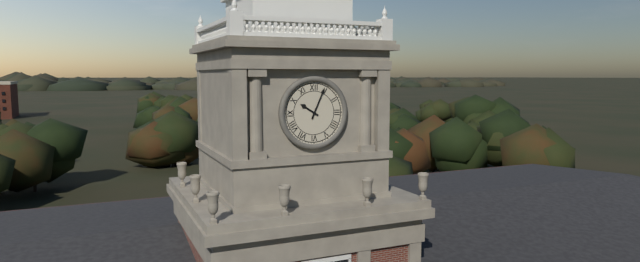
10:04
